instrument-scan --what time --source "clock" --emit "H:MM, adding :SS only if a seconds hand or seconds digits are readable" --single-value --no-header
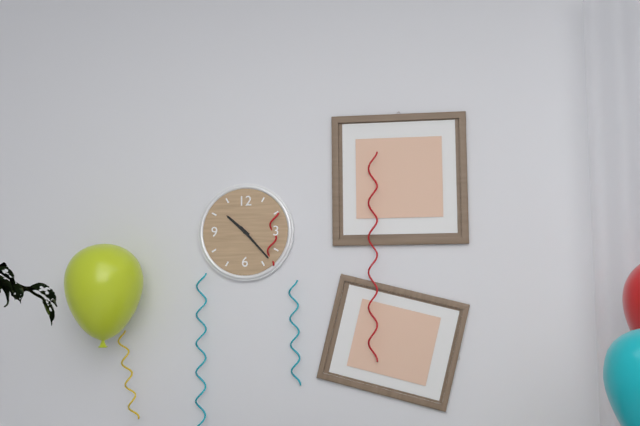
10:23
